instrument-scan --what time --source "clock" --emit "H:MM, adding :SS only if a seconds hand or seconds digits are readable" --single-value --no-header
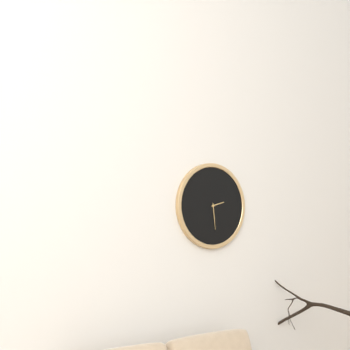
2:29
